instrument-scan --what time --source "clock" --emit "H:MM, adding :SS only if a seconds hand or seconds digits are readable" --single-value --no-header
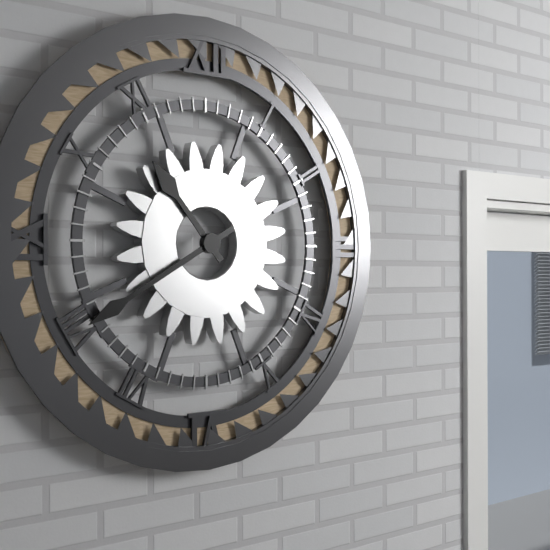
10:40
